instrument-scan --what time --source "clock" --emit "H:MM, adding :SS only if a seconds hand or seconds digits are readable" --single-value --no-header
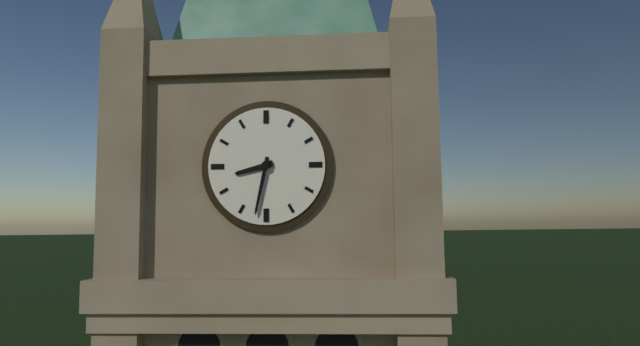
8:32
